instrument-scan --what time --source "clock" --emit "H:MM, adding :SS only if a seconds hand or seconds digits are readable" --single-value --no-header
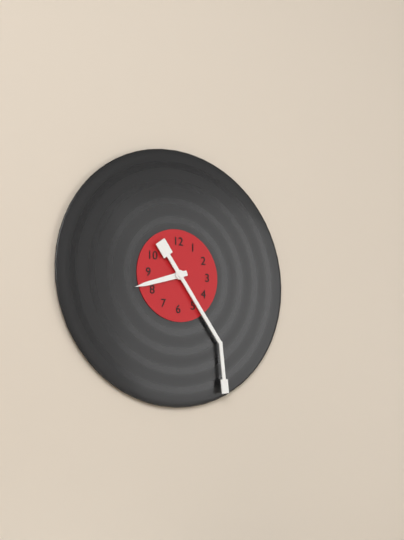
8:24
